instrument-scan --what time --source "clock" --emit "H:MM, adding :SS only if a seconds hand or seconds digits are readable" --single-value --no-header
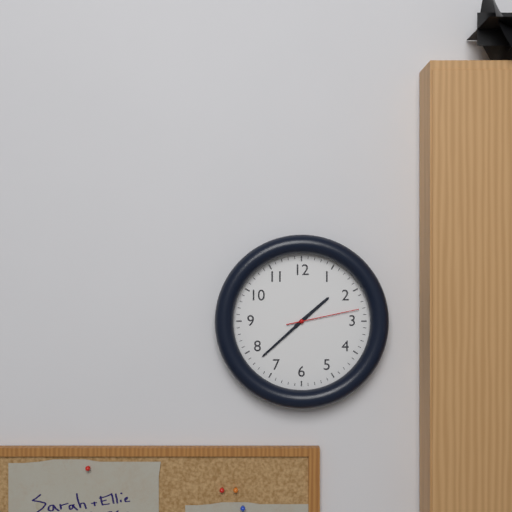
1:38:13
